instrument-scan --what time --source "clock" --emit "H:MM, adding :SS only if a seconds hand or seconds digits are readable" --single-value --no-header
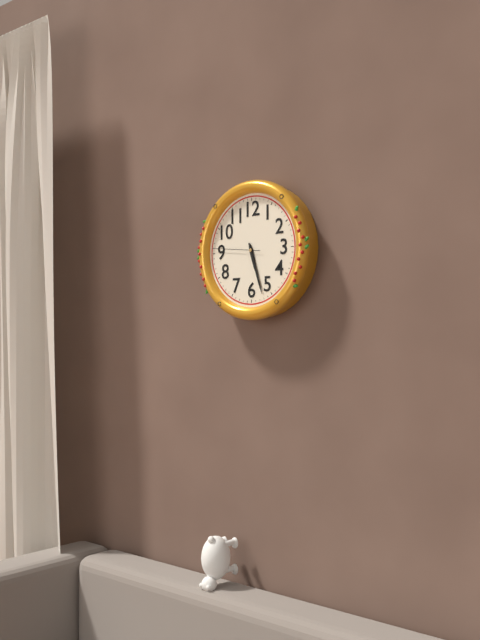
5:27
